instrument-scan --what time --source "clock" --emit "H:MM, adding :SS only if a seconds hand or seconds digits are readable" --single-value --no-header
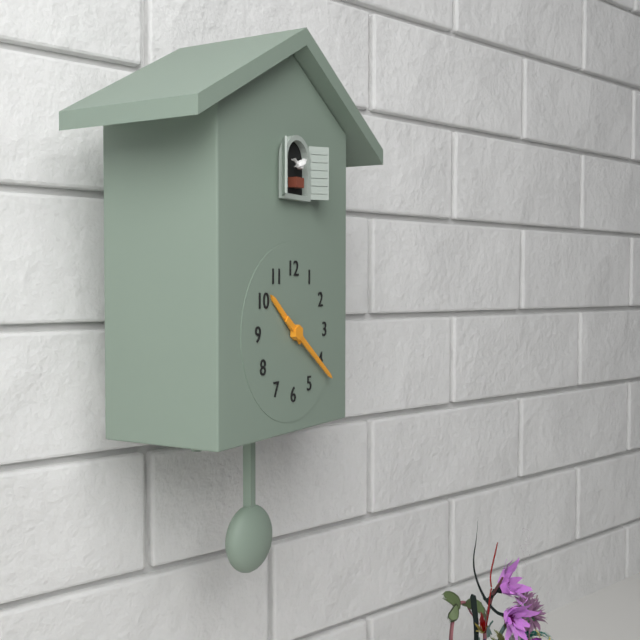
10:21
